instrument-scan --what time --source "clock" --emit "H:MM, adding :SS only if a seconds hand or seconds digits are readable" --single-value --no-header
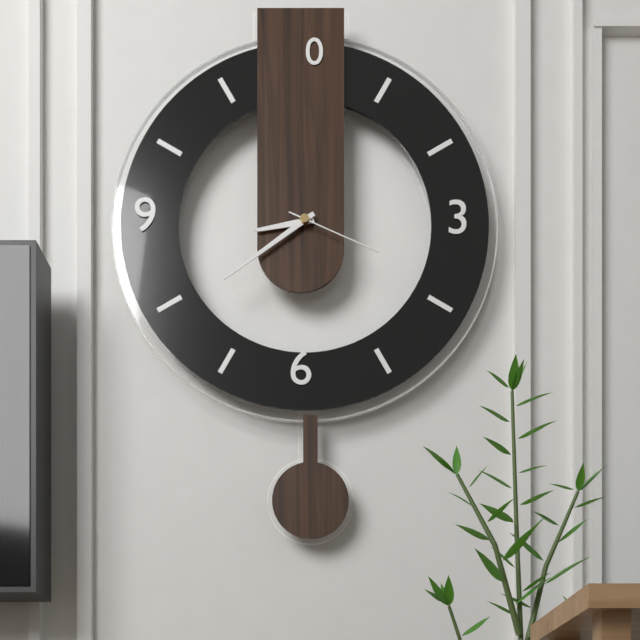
8:39:19
